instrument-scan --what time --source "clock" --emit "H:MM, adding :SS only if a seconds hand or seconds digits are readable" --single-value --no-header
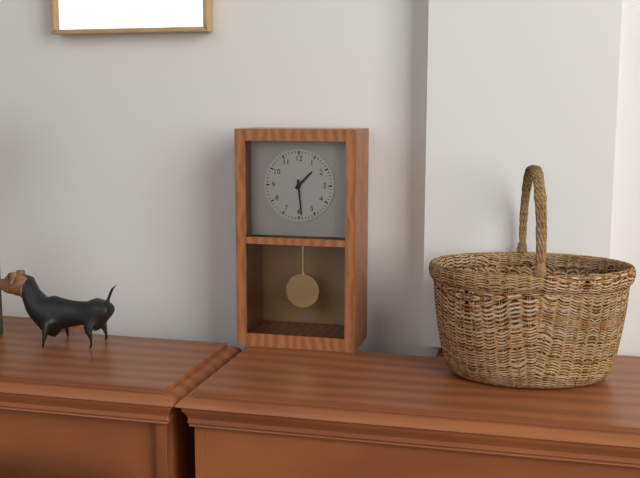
1:29
